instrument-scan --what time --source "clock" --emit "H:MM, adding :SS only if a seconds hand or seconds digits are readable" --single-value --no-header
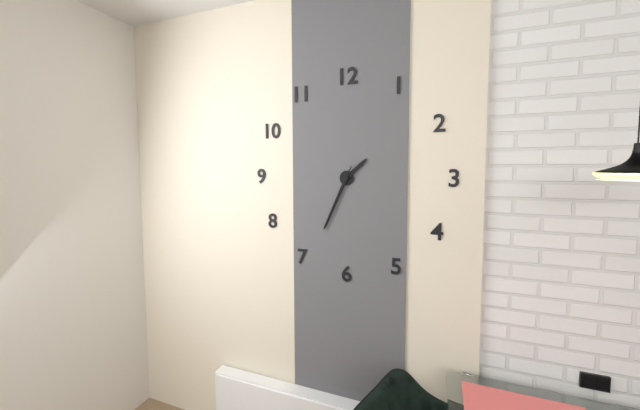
1:34:34
